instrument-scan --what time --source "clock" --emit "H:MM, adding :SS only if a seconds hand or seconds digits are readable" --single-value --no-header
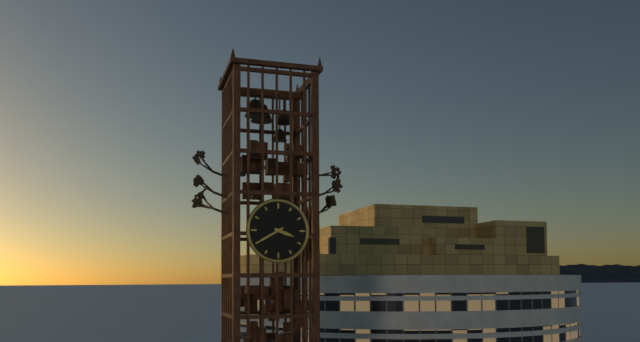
3:40
